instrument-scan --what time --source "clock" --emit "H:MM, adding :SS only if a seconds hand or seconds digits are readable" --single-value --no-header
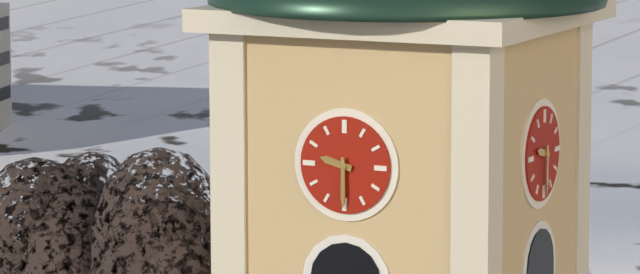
9:30
